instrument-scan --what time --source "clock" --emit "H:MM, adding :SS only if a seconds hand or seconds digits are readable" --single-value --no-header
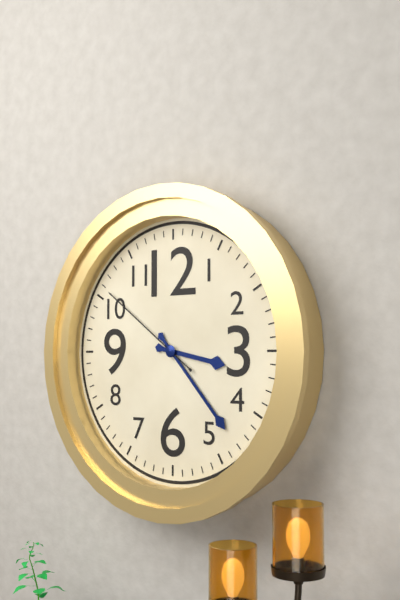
3:23:51
